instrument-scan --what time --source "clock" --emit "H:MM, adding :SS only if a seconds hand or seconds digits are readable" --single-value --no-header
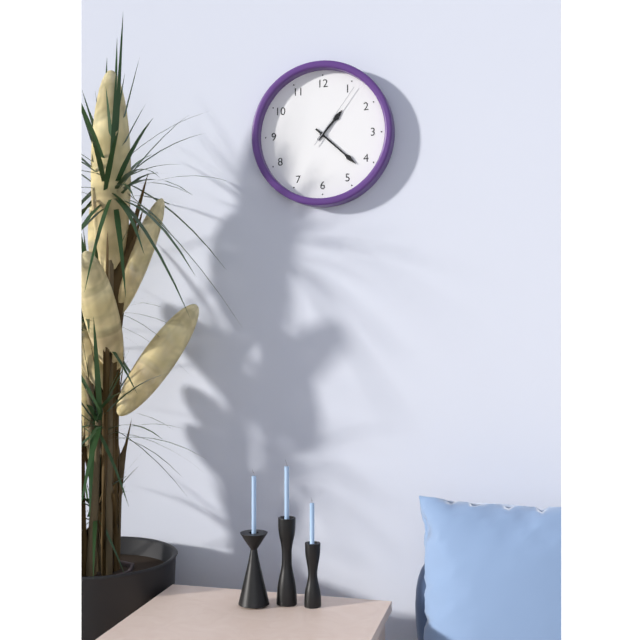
1:22:06
